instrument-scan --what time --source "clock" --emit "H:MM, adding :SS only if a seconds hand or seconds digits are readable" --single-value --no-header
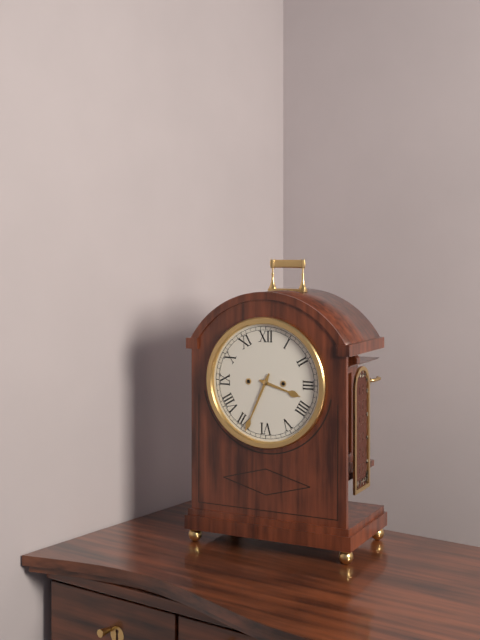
3:34
